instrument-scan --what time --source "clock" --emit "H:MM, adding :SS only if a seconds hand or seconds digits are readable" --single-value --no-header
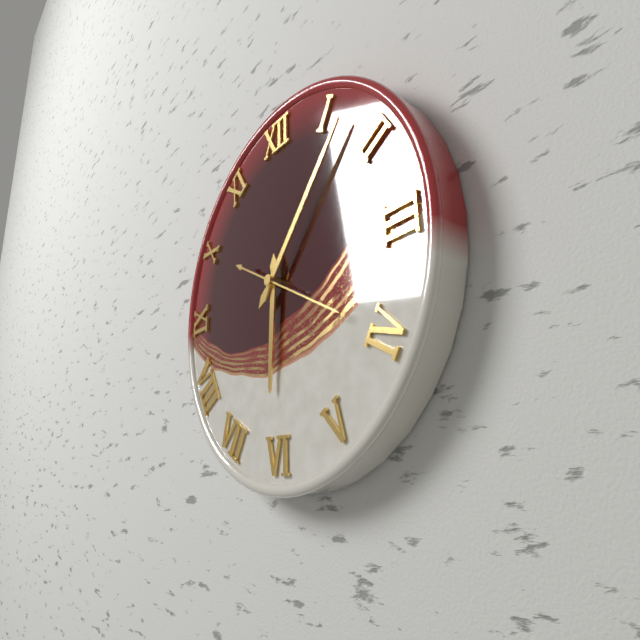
6:07:20
